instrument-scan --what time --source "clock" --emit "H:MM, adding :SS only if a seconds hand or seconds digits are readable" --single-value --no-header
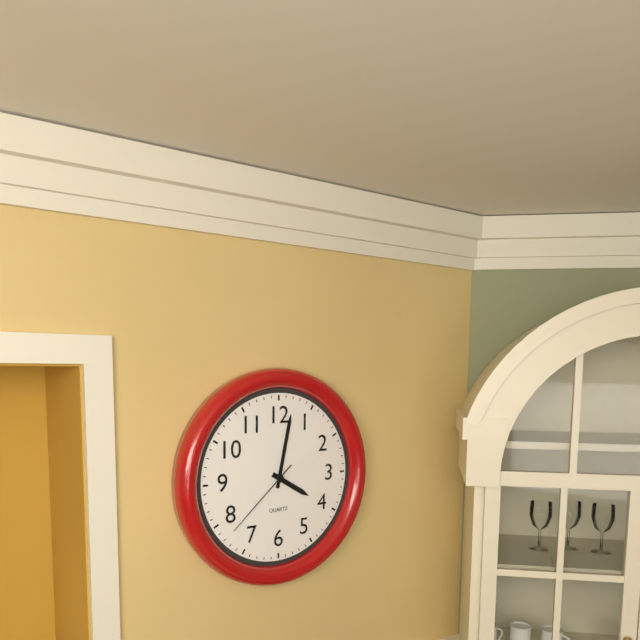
4:02:38
